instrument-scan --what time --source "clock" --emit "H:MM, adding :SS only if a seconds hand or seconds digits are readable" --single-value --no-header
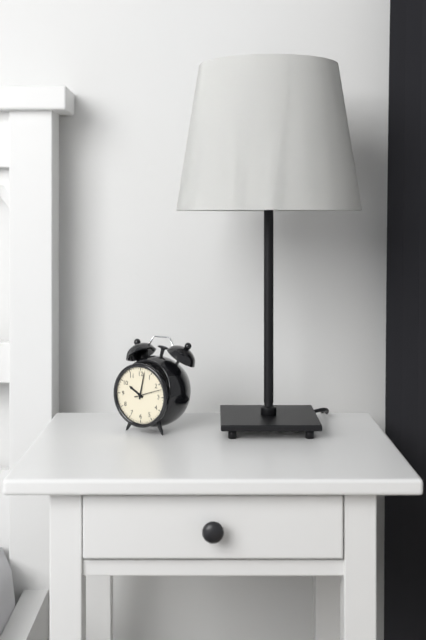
10:02
